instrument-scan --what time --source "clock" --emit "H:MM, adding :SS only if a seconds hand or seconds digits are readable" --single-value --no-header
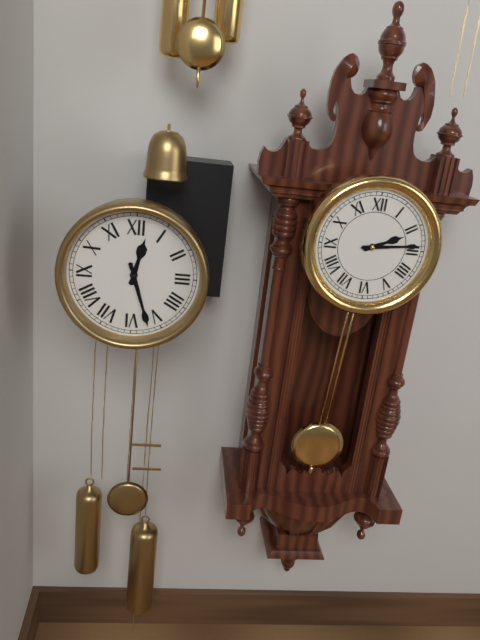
12:27
